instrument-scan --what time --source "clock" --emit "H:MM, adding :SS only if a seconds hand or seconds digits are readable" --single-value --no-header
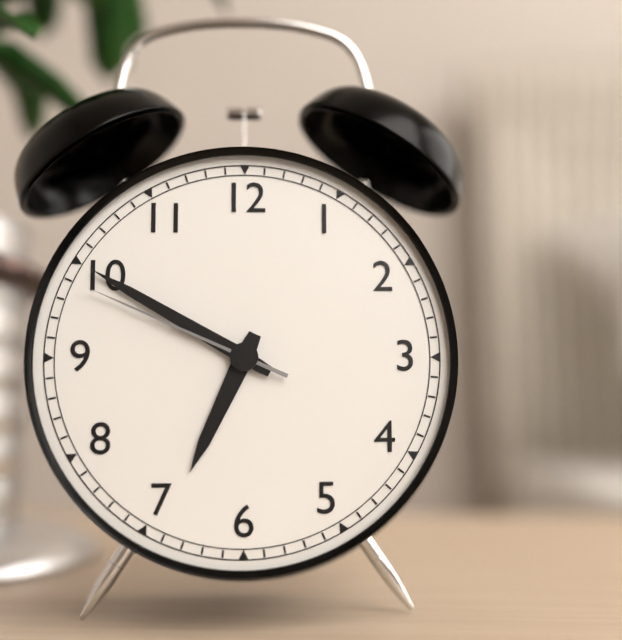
6:50:49
